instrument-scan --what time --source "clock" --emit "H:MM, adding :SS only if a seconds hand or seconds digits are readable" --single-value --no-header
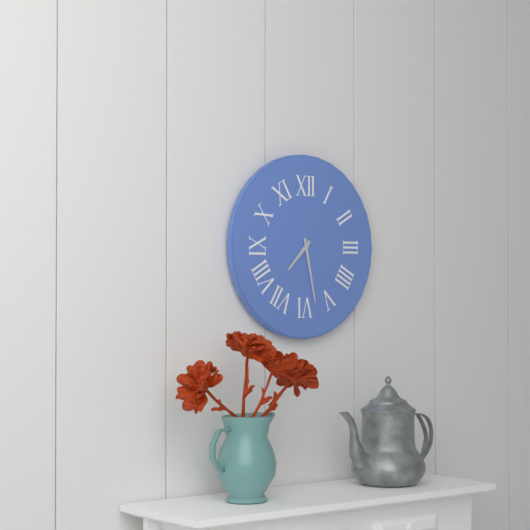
7:28
